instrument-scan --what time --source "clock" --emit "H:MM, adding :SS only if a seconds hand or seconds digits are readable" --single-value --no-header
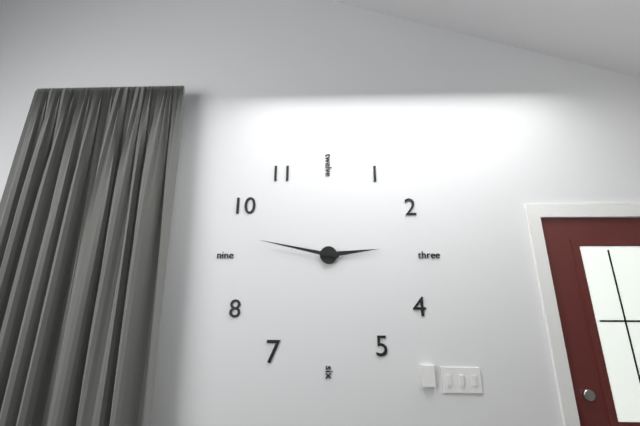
2:47
